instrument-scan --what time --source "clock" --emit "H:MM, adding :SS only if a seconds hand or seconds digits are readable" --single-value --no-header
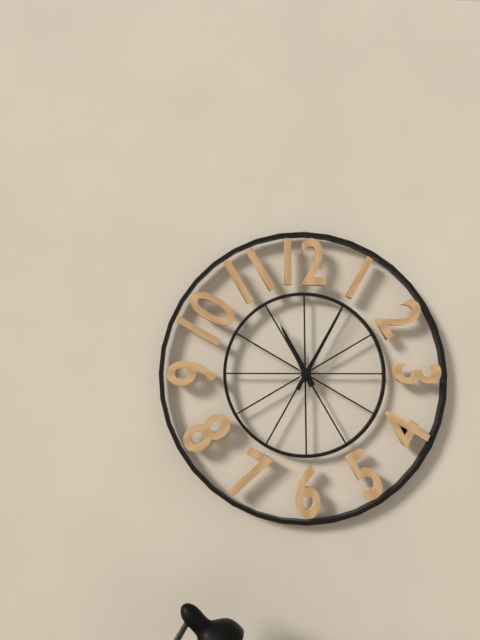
11:05
